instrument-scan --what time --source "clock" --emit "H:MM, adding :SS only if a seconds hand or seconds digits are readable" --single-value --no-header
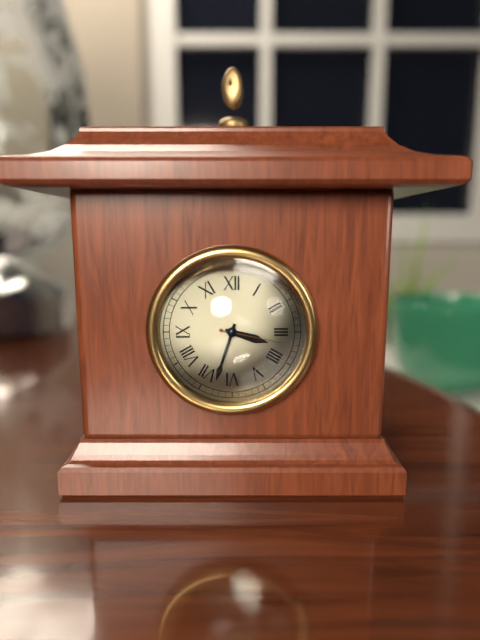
3:33:17
